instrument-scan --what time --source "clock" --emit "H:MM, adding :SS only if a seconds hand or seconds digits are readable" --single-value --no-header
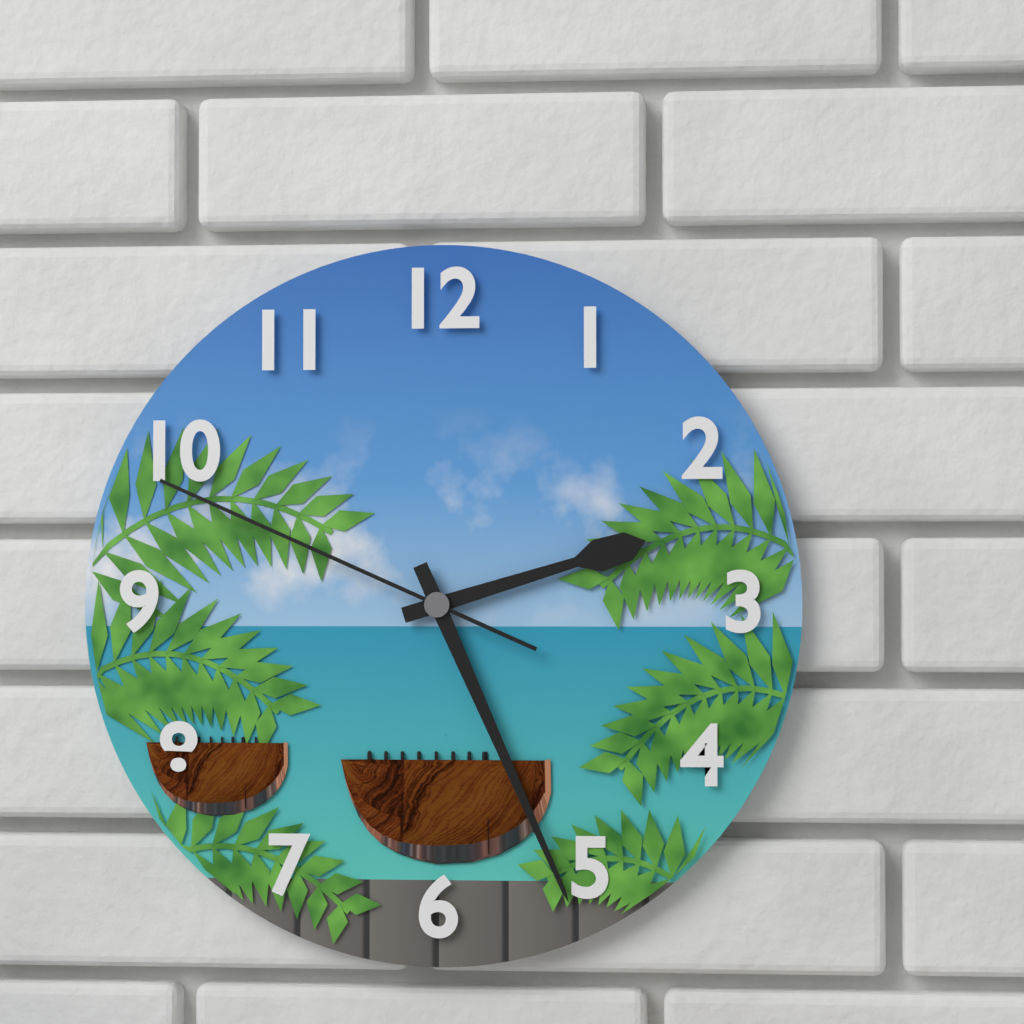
2:26:49
